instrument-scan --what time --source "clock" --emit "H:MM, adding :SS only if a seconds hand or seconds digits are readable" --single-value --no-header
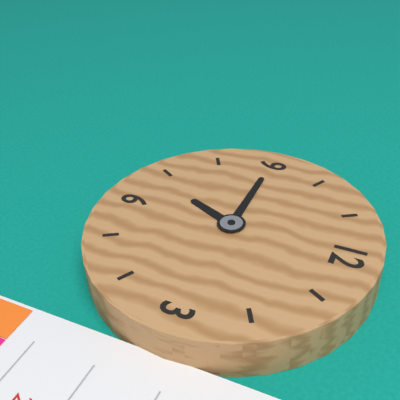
6:45
